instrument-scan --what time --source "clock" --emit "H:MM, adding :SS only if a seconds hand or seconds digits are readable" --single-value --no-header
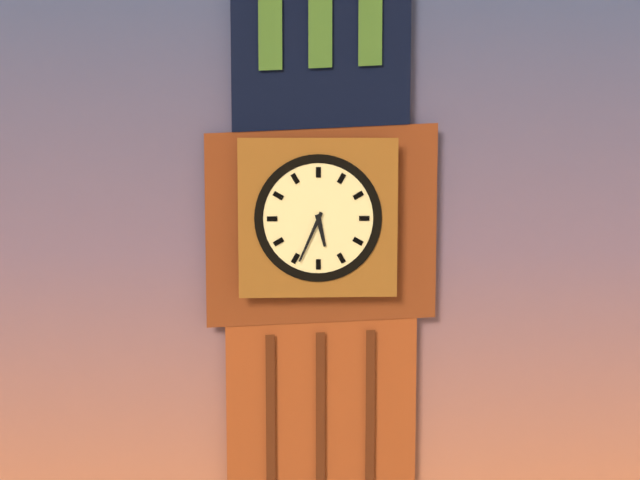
5:34
